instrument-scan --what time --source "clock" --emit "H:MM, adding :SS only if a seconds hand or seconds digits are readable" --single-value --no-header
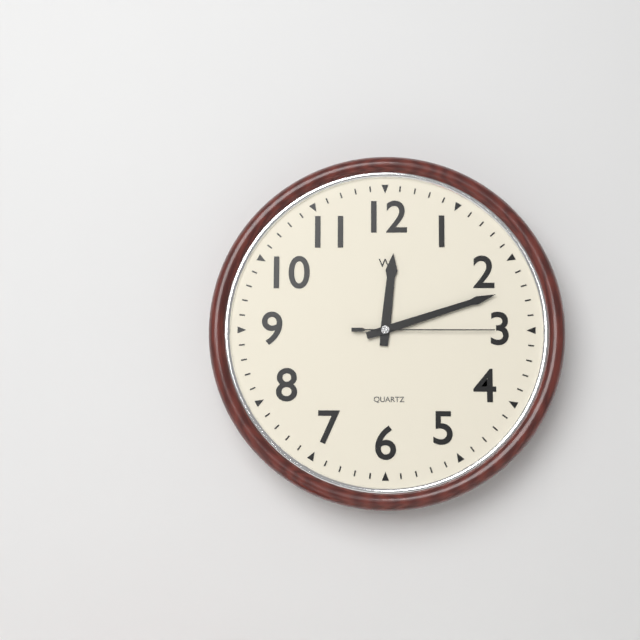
12:12:15
